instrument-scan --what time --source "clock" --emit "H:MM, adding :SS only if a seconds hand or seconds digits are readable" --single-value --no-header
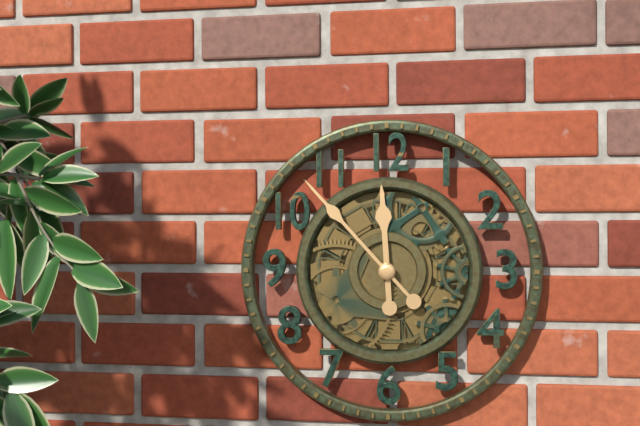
11:53
